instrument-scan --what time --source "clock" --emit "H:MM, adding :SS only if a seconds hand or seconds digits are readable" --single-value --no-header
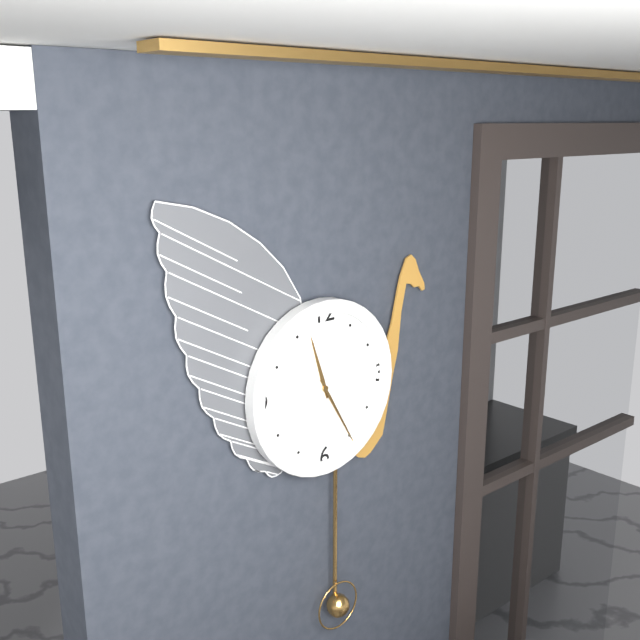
11:25
